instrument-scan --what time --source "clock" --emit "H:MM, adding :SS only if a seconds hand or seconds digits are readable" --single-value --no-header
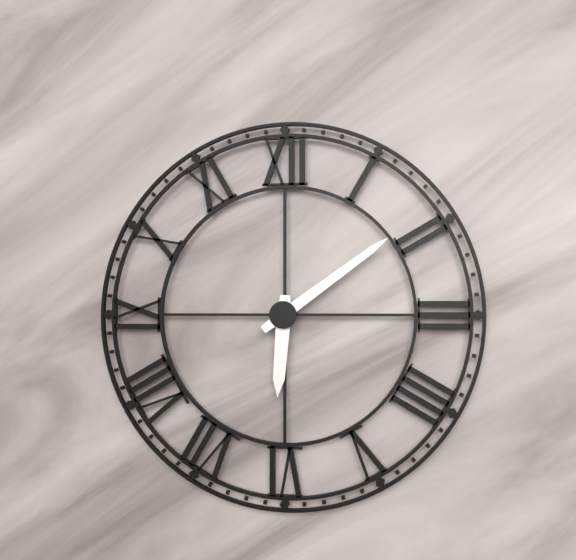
6:09
